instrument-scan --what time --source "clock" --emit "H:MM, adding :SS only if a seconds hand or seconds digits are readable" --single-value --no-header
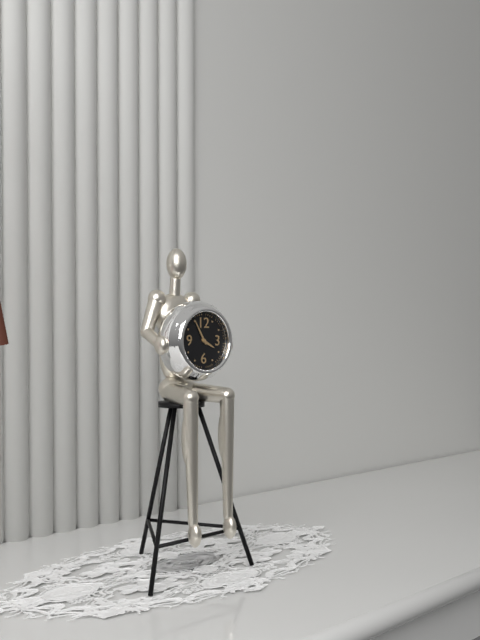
3:55
